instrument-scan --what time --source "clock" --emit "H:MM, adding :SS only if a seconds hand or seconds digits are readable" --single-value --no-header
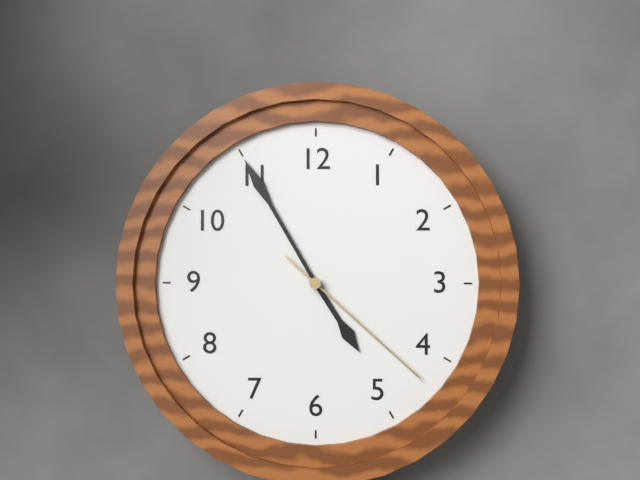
4:55:22
